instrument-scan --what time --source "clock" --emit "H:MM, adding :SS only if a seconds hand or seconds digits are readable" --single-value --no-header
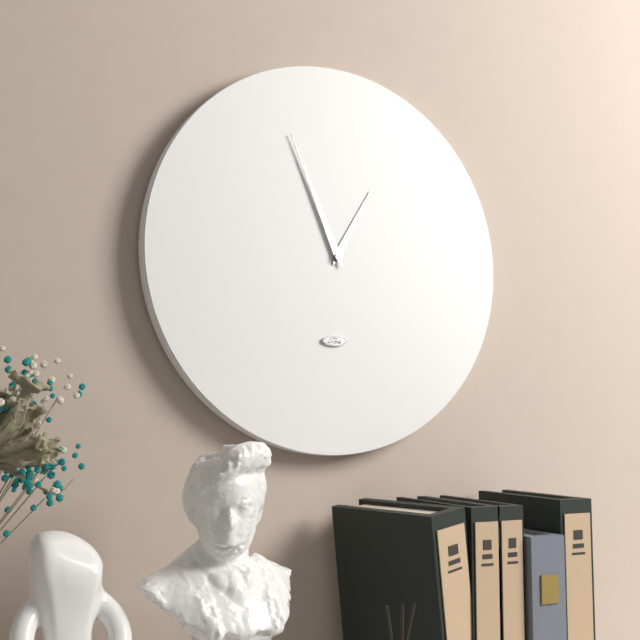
12:56
